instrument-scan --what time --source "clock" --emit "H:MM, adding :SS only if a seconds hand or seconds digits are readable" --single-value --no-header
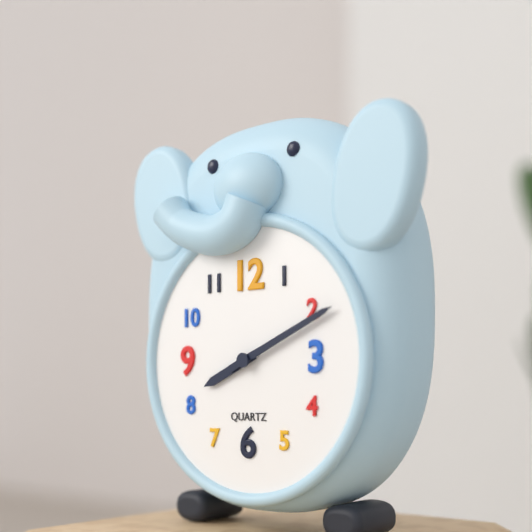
8:11
